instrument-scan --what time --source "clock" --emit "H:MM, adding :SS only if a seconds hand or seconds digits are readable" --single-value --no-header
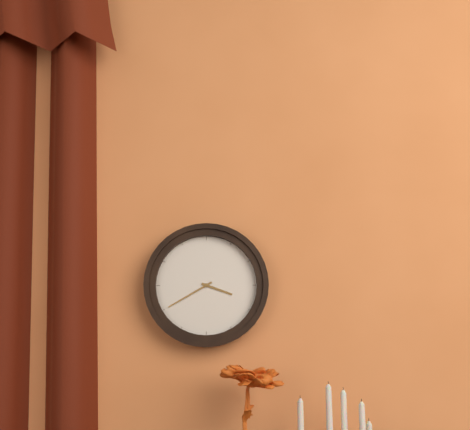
3:40
